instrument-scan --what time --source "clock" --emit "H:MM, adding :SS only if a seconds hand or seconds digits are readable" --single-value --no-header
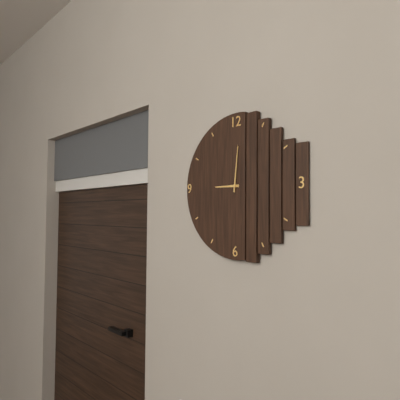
9:01
